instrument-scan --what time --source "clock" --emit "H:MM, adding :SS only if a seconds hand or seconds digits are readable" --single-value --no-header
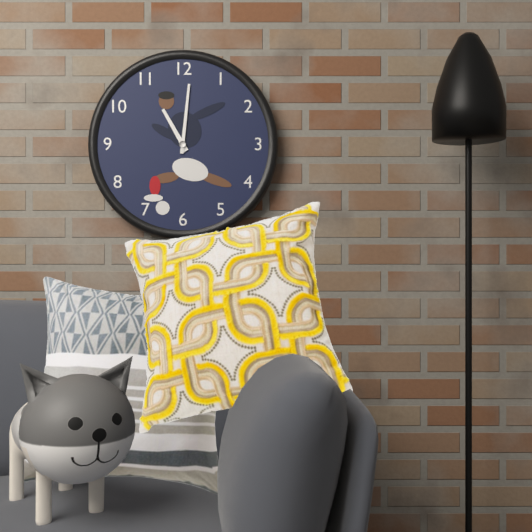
11:01
